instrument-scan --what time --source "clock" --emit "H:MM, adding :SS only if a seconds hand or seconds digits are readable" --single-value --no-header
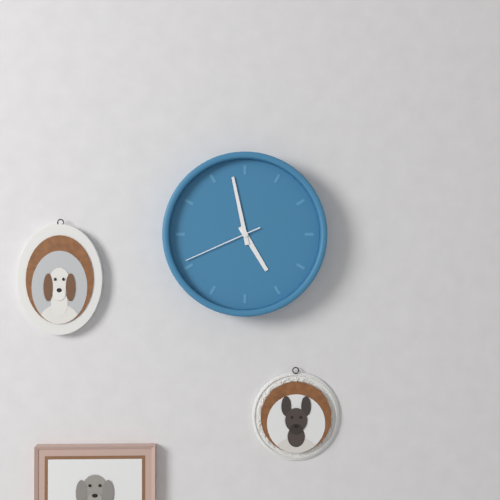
4:58:41
